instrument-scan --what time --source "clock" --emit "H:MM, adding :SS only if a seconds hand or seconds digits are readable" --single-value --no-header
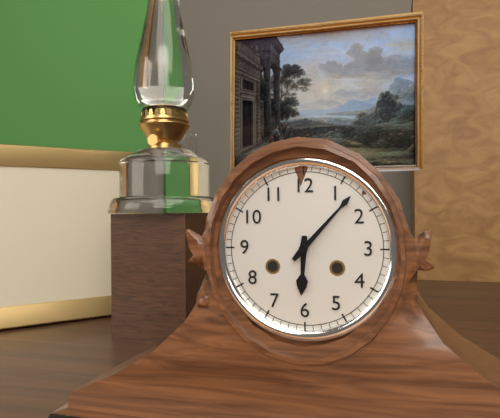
6:07
